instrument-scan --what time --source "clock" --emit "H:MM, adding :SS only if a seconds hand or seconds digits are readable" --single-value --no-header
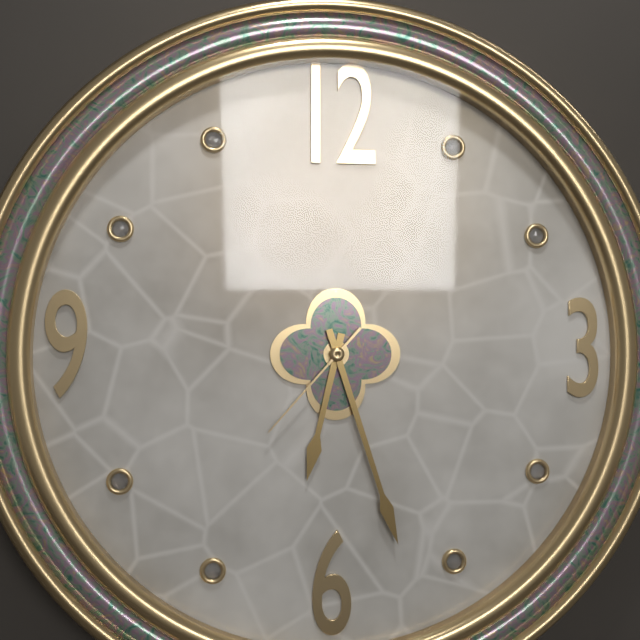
6:27:37
